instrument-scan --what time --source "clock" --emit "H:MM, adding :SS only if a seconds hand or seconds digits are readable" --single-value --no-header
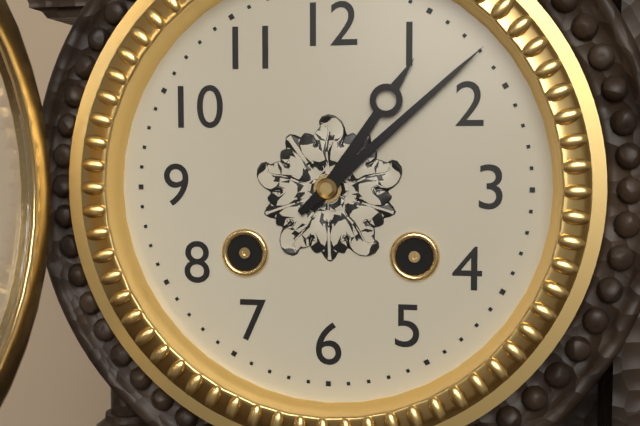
1:08
